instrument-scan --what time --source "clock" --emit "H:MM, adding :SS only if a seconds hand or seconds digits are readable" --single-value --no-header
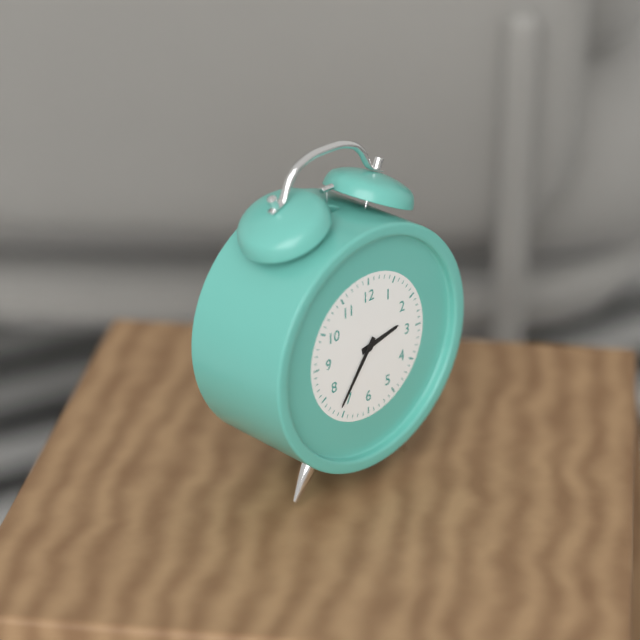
2:36
